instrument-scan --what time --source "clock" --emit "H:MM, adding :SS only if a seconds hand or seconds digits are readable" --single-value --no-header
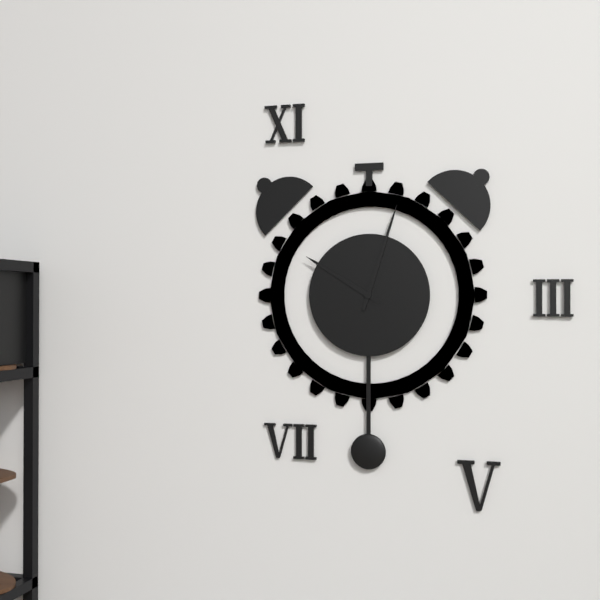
10:03
